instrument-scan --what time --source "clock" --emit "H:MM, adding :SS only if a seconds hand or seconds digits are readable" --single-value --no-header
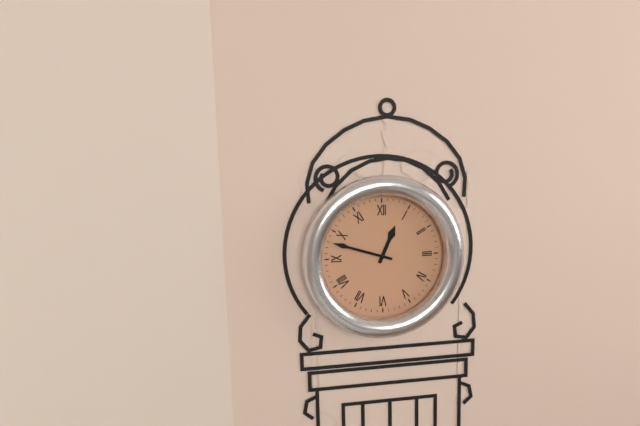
12:48
